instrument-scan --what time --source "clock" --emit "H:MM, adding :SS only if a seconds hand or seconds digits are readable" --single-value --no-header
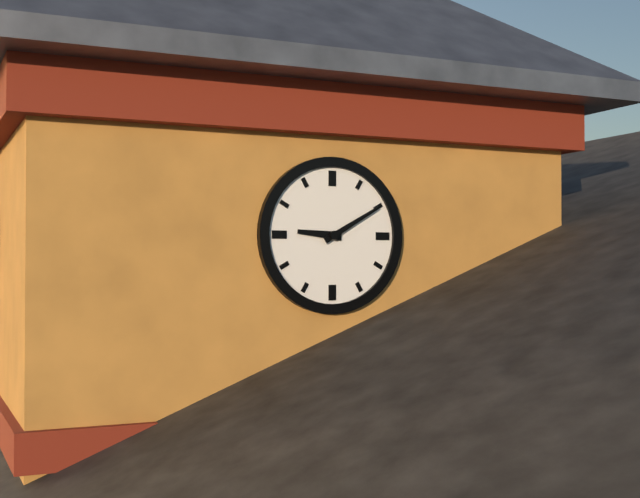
9:10
